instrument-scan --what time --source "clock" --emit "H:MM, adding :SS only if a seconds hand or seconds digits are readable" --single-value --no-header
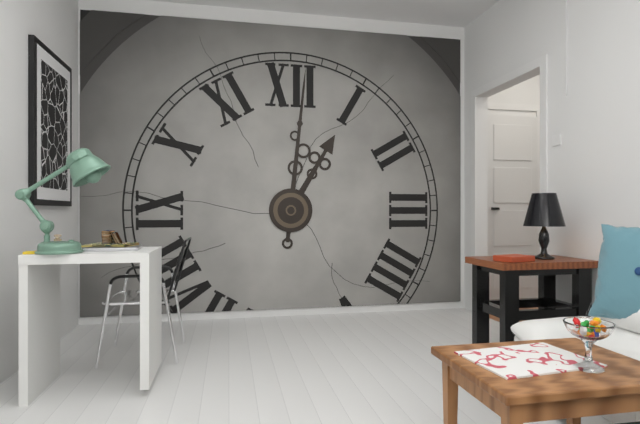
1:01
